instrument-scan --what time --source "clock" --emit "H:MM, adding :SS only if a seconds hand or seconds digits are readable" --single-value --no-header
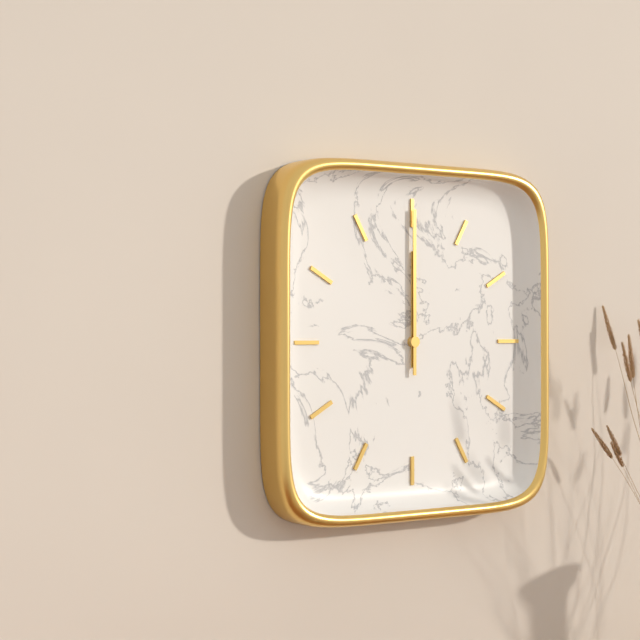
12:00
